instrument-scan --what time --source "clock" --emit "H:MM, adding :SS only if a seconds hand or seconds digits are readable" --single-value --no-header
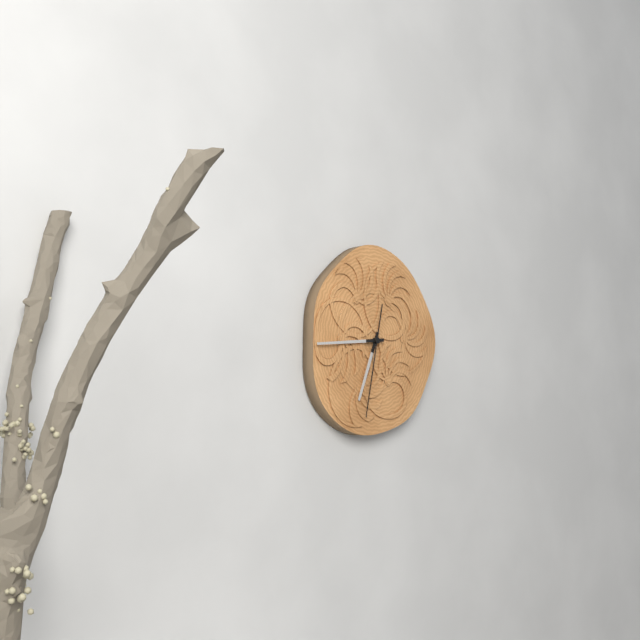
6:44:32
